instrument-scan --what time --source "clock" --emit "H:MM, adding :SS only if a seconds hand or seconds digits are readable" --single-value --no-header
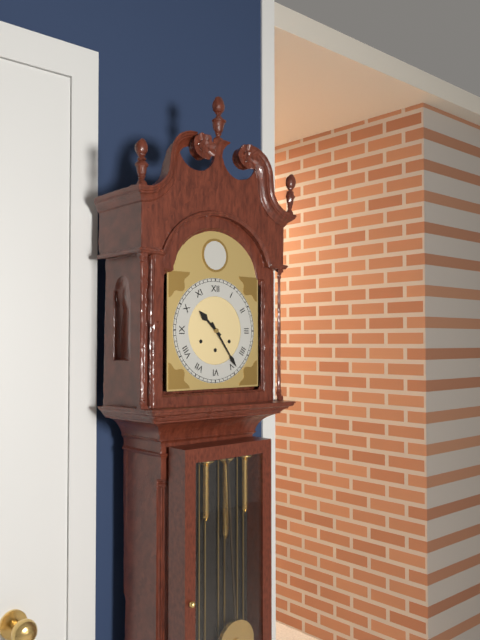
10:24
